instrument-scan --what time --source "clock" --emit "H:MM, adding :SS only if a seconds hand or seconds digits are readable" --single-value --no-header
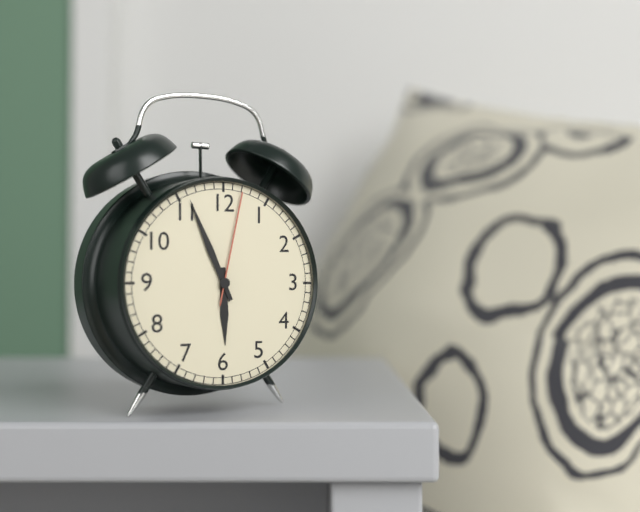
5:56:02
